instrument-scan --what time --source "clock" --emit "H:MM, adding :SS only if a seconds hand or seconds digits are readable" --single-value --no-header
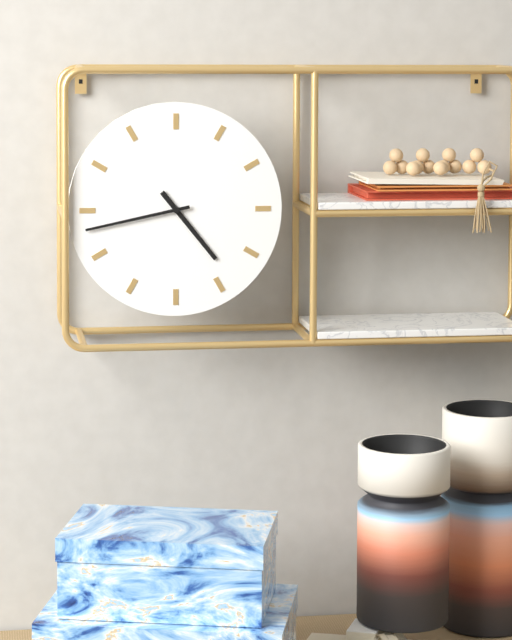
4:43
